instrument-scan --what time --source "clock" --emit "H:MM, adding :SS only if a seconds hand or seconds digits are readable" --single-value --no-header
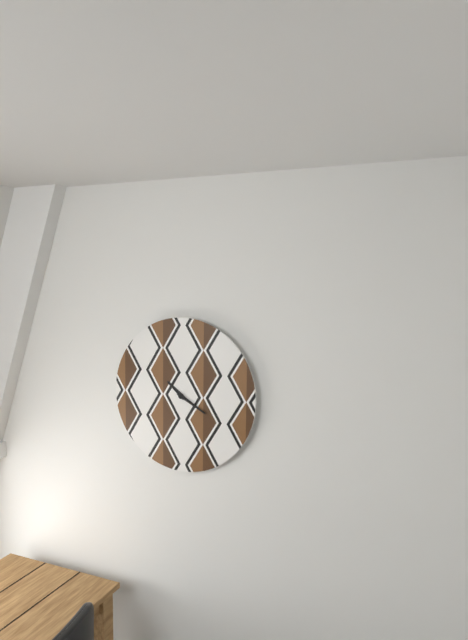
10:20
